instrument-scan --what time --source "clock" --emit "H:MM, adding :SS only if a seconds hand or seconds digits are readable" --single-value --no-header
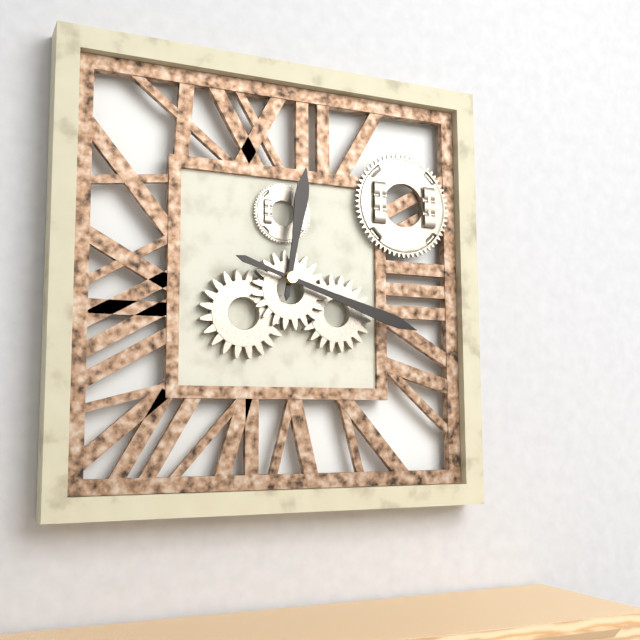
12:18
